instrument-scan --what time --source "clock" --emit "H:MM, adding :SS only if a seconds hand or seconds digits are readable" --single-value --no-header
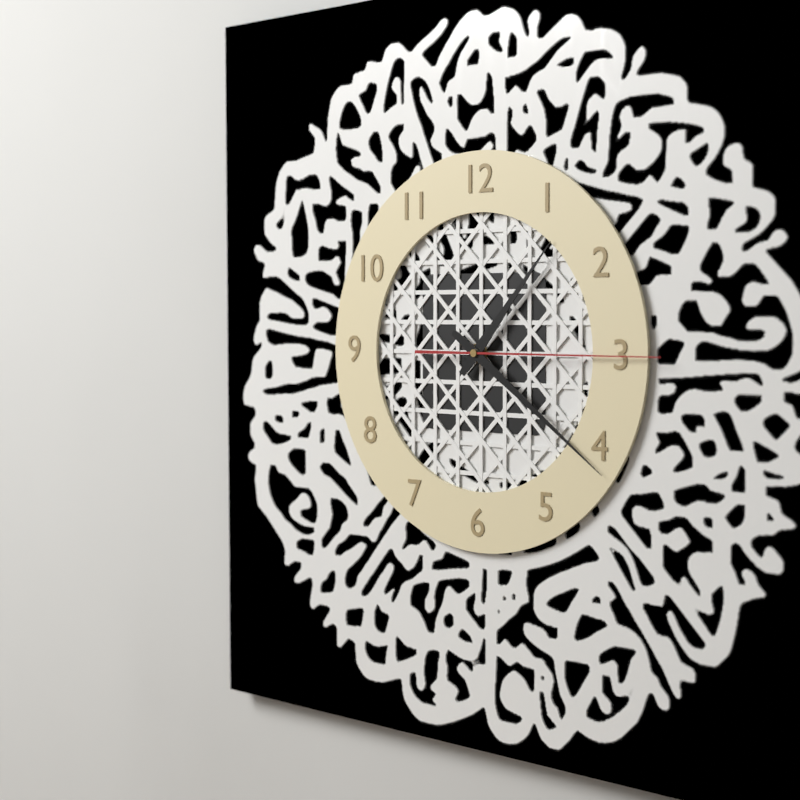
1:21:15
